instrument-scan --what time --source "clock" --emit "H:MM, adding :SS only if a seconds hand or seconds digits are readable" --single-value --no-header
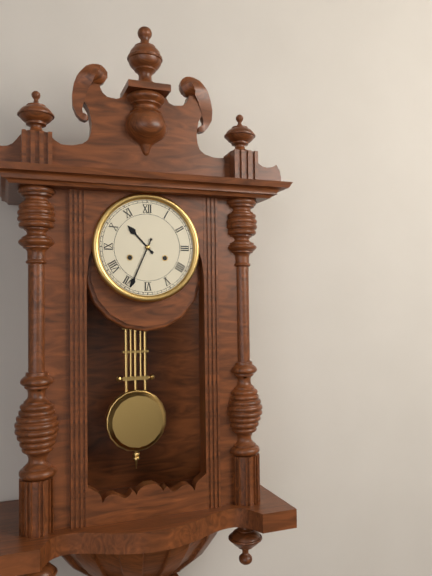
10:34
